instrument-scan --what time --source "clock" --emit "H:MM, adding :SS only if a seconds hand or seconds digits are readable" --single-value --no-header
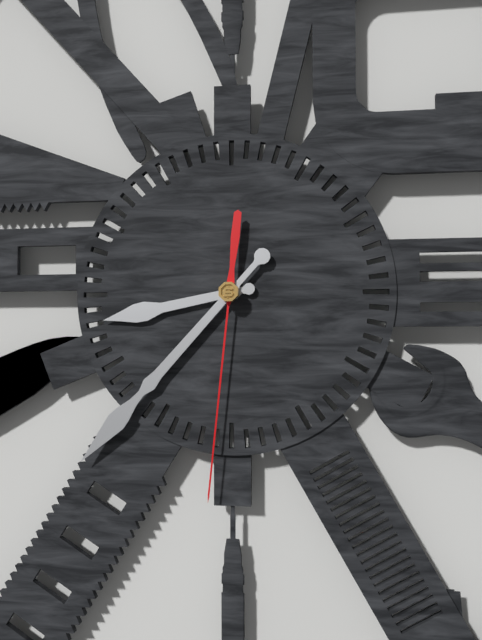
8:37:31
